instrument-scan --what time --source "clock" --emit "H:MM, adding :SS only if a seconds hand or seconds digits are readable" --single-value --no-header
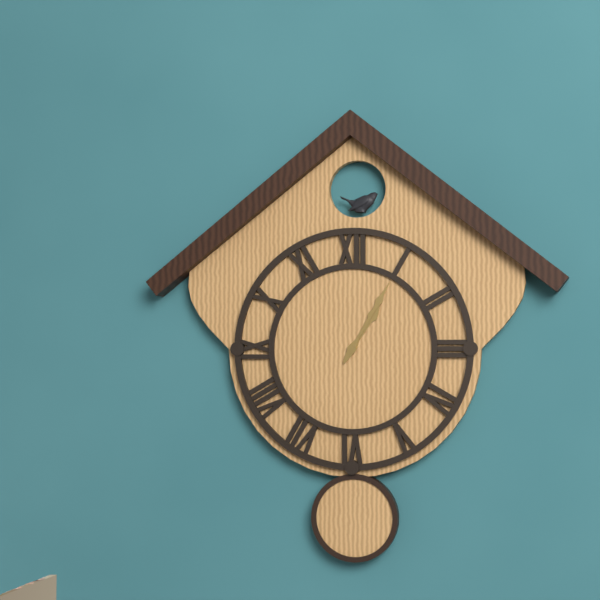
1:05
